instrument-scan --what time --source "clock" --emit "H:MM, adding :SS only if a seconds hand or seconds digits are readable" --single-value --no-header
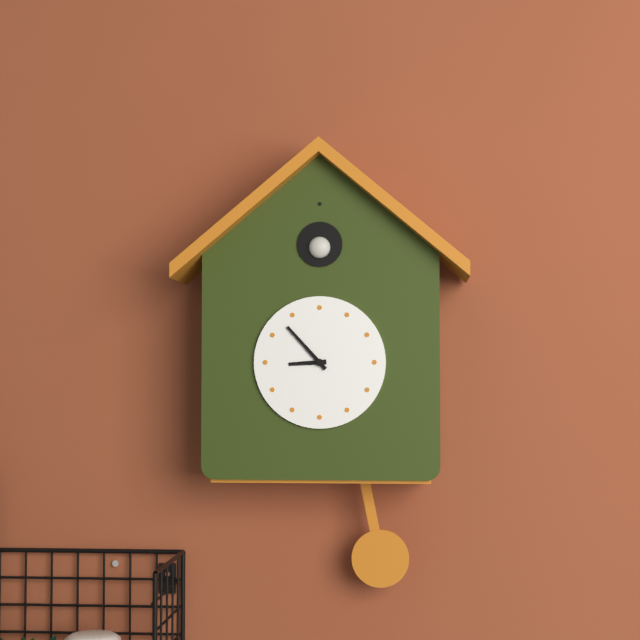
8:53
